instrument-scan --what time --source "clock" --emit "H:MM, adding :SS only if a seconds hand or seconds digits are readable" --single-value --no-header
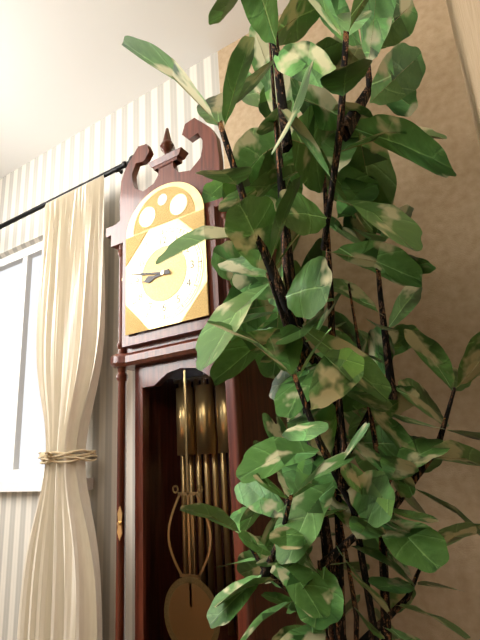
8:47
